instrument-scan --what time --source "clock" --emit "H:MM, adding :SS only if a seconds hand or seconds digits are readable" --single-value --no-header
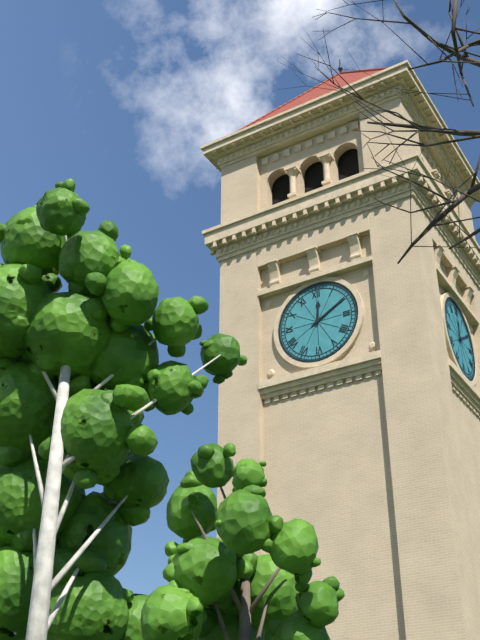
12:10
